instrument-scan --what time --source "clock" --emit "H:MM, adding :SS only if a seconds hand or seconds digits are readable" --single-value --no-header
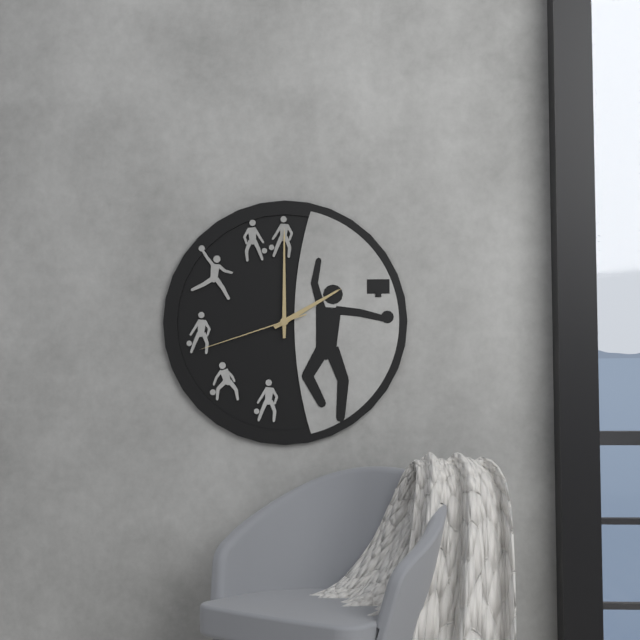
2:00:42
